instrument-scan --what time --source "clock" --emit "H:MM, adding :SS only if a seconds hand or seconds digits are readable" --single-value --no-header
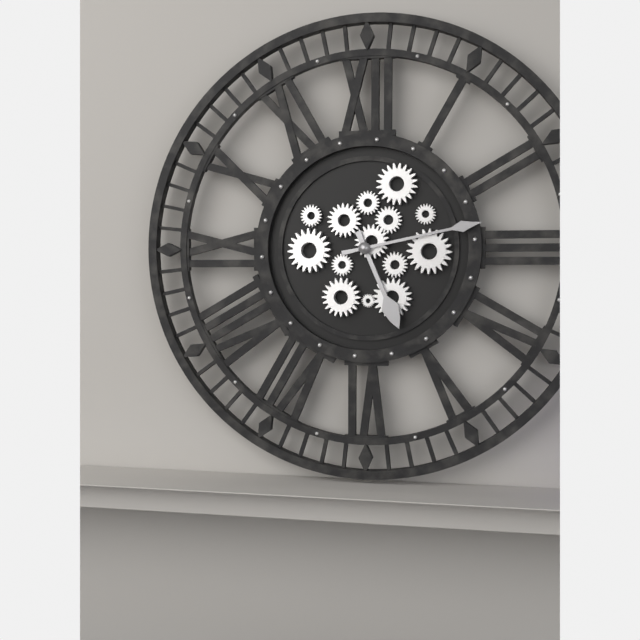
5:13
